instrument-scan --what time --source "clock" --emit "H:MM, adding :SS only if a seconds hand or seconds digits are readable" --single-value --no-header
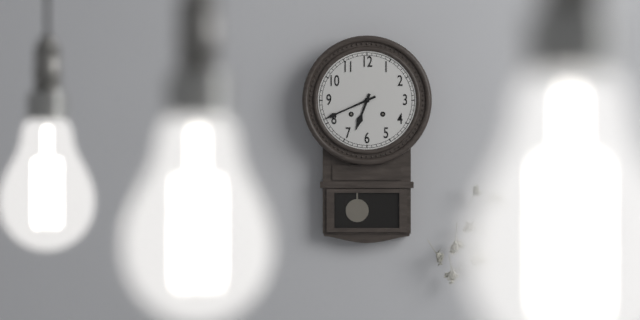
6:41
